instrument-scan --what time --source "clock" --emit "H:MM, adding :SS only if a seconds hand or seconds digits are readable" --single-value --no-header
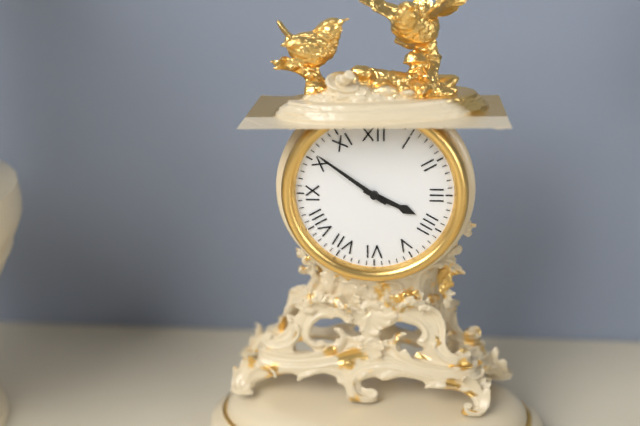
3:51
